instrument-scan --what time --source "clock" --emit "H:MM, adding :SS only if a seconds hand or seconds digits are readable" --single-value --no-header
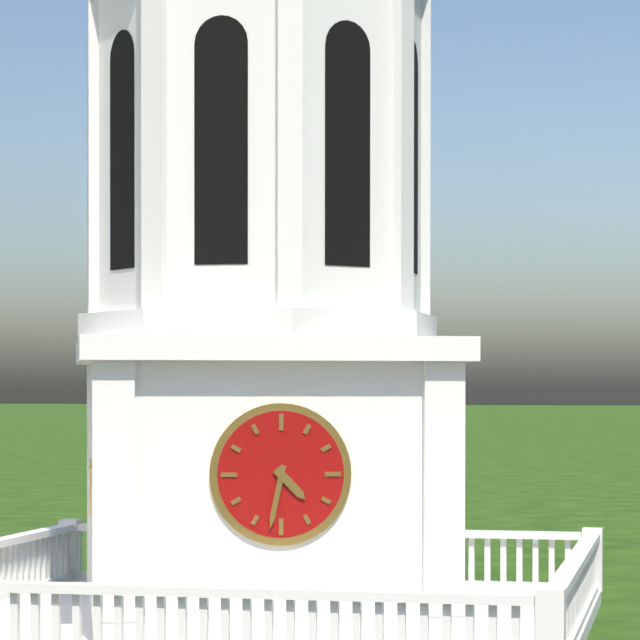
4:32
